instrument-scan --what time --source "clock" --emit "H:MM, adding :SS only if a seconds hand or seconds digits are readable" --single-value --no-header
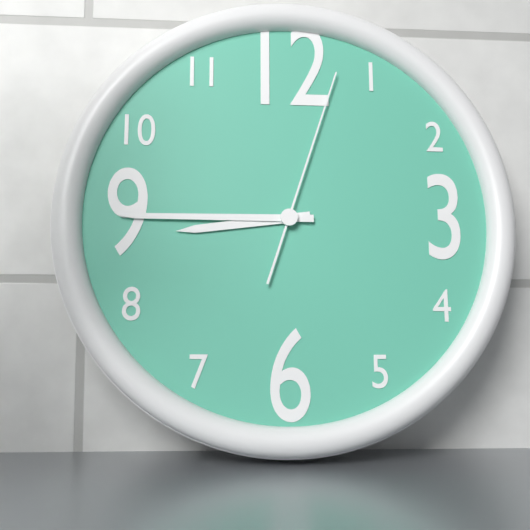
8:45:03
